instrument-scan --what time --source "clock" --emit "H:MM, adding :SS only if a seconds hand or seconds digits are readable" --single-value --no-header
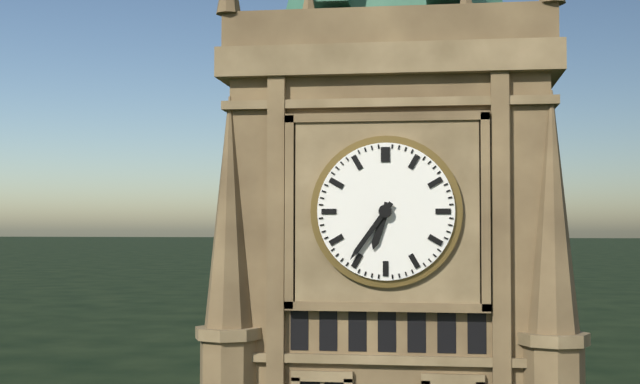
6:36
